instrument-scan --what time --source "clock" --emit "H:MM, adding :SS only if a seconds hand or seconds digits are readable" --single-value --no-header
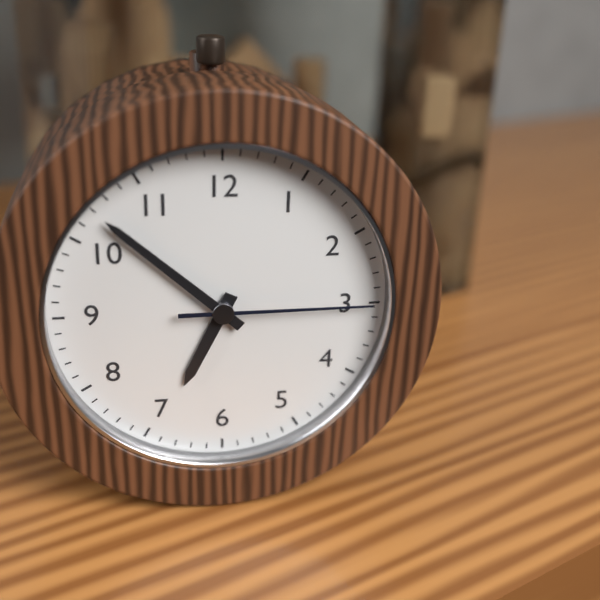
6:52:15
